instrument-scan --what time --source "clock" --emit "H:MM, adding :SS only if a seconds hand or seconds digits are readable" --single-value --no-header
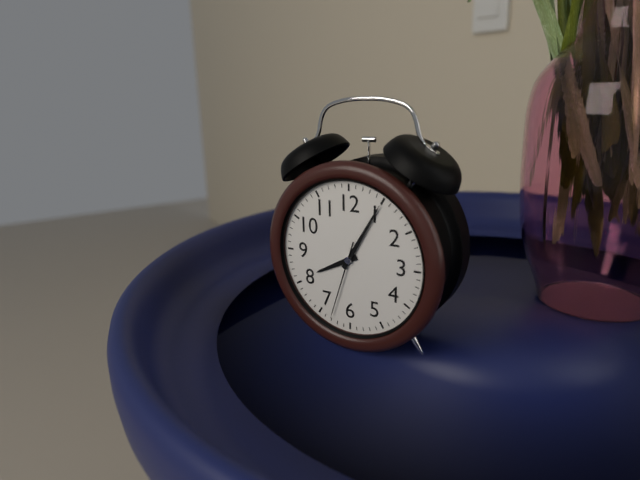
8:05:33
